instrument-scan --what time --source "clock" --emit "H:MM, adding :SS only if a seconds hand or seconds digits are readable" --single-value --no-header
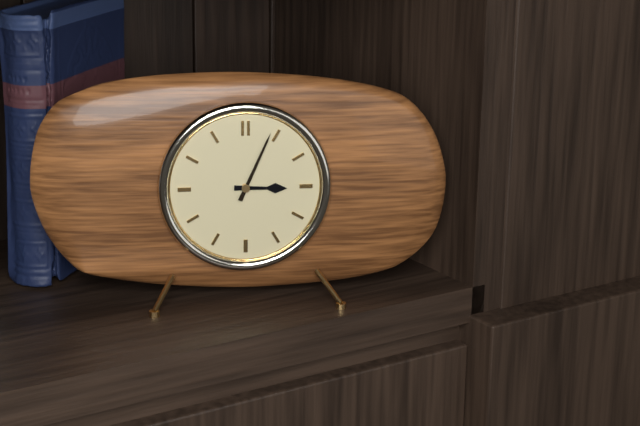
3:04
